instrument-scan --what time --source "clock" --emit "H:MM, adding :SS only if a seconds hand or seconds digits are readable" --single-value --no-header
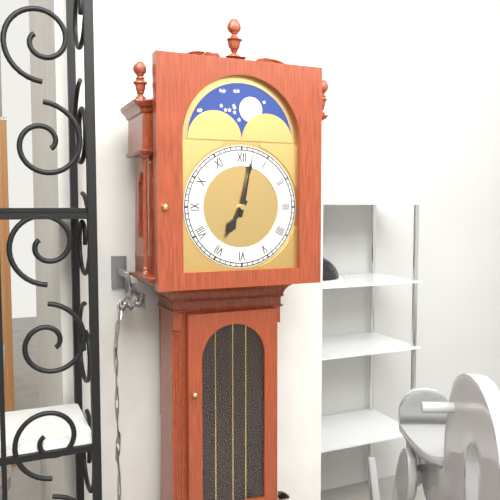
7:02
